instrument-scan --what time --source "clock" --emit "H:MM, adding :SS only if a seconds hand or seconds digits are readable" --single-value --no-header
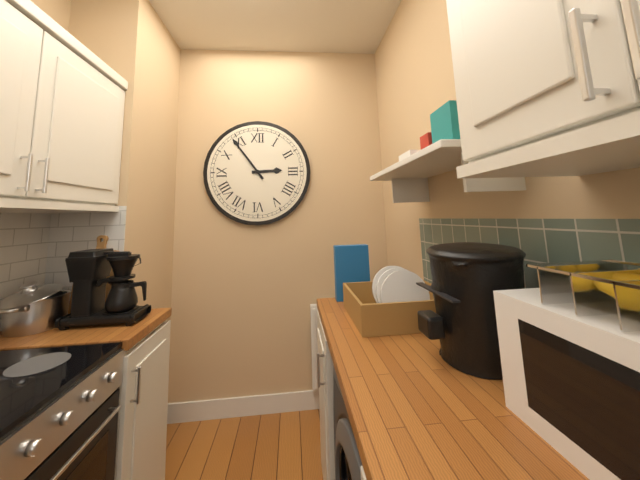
2:54
